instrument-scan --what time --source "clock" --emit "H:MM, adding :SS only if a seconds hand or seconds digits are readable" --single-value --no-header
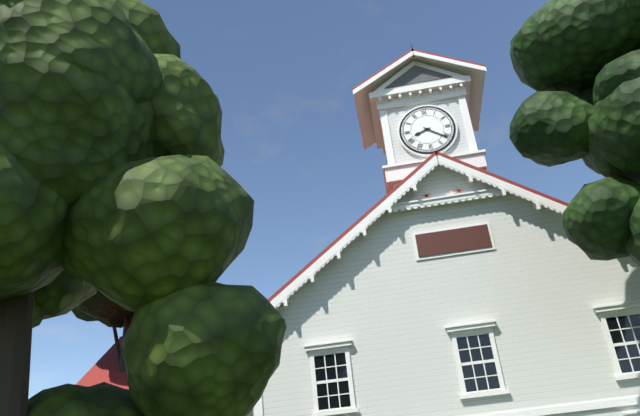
8:21
